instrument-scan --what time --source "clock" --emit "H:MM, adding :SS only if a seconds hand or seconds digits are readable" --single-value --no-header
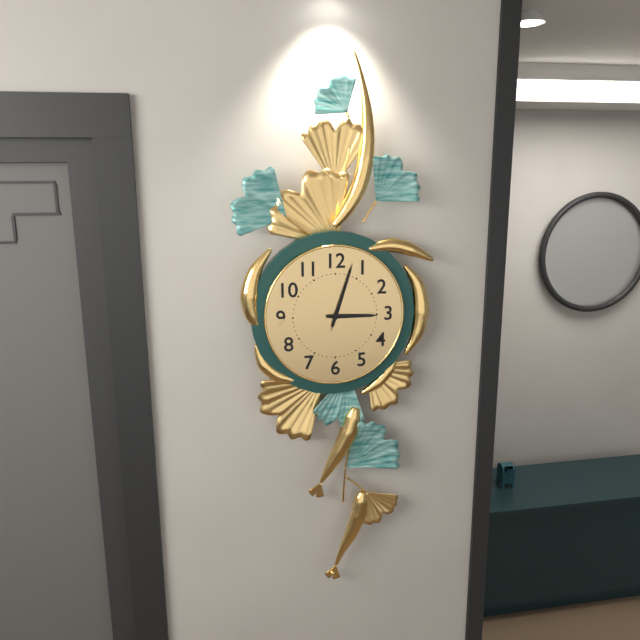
3:03:03
